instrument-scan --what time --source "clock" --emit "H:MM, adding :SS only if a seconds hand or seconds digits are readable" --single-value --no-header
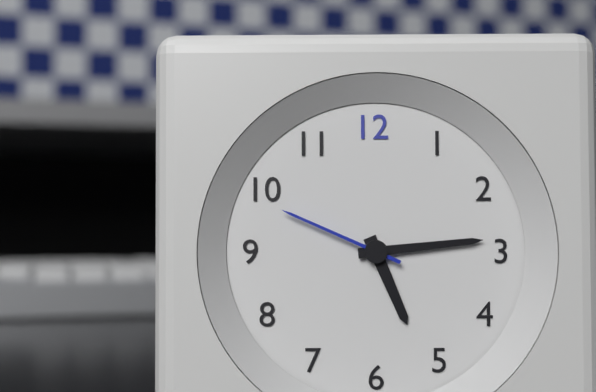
5:14:49
